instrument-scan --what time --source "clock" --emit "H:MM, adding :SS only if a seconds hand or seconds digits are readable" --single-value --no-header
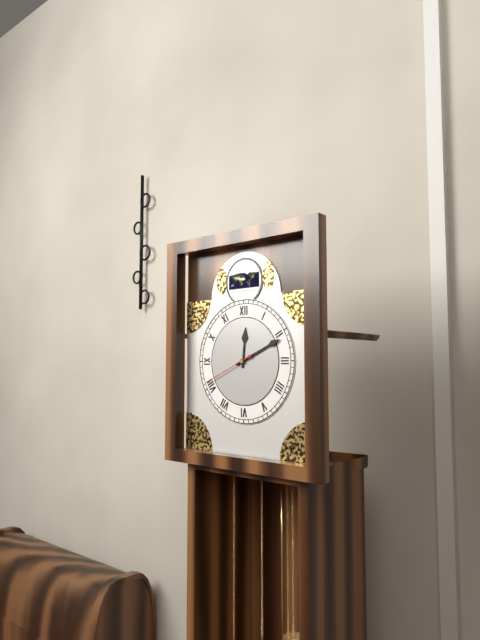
12:11:41
